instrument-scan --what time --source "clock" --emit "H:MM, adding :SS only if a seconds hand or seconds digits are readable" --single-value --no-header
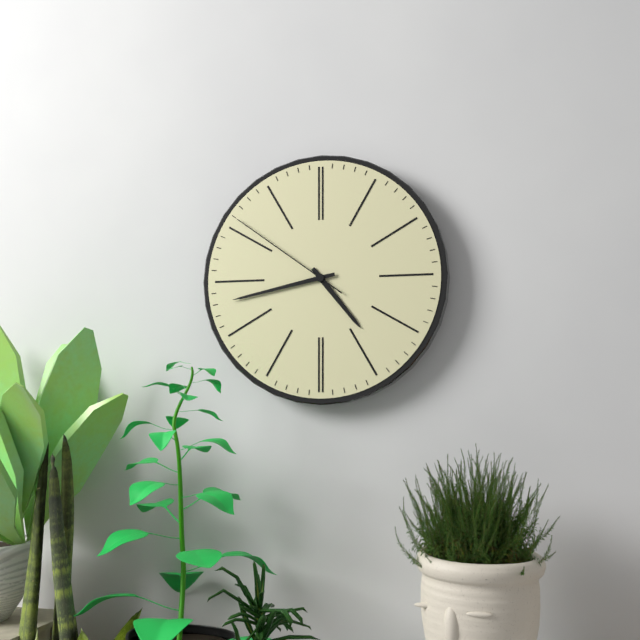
4:43:51
